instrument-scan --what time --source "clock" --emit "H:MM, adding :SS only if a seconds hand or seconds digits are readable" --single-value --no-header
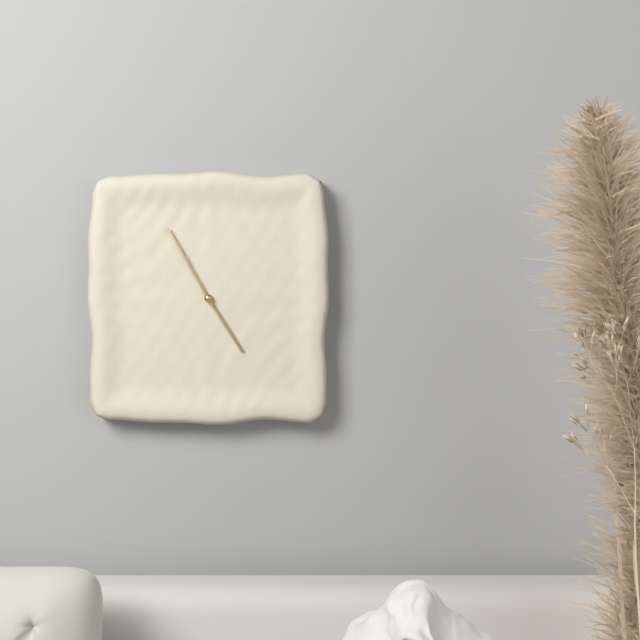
4:55
